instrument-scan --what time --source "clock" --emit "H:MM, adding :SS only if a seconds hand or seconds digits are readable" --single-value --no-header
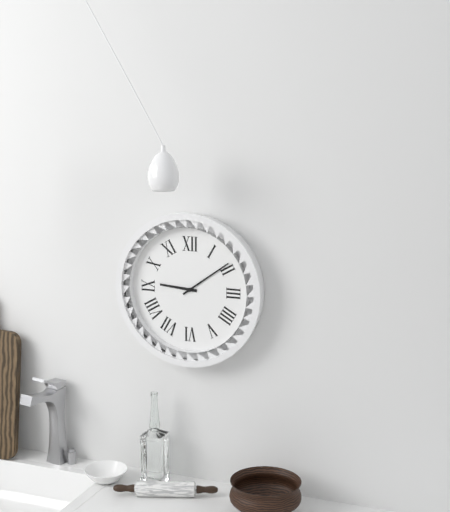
9:09
